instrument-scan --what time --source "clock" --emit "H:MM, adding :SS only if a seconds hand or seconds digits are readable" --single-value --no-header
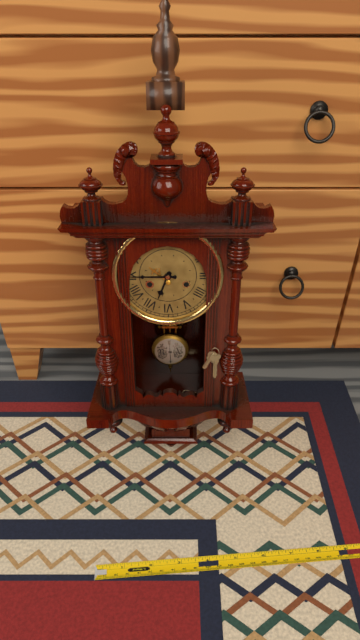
6:45
